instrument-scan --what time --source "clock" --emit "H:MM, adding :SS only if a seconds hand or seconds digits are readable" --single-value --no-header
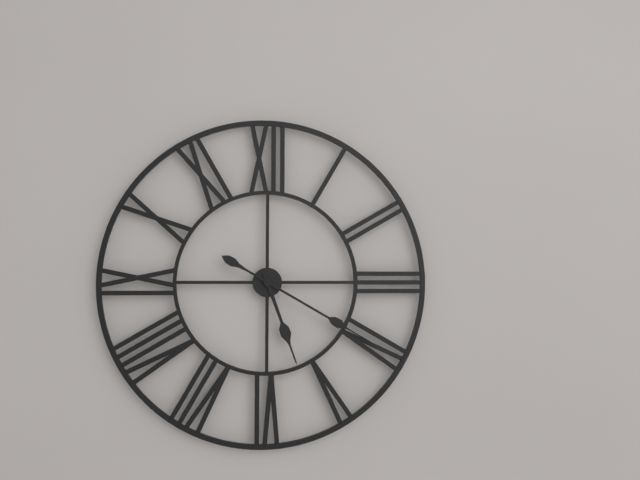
5:20
